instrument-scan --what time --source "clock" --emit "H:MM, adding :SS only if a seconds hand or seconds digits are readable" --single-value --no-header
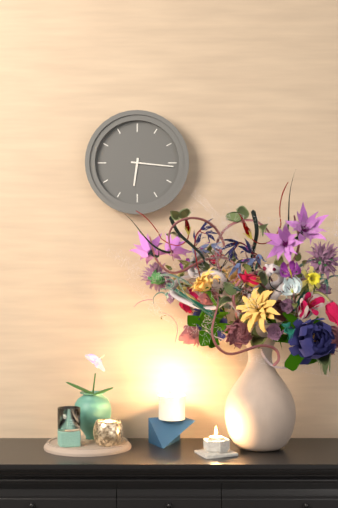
6:16
